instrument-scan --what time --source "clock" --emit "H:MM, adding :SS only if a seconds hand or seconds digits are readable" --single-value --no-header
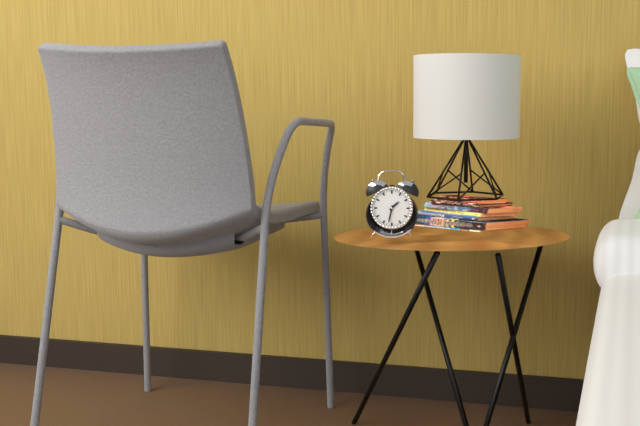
1:32
